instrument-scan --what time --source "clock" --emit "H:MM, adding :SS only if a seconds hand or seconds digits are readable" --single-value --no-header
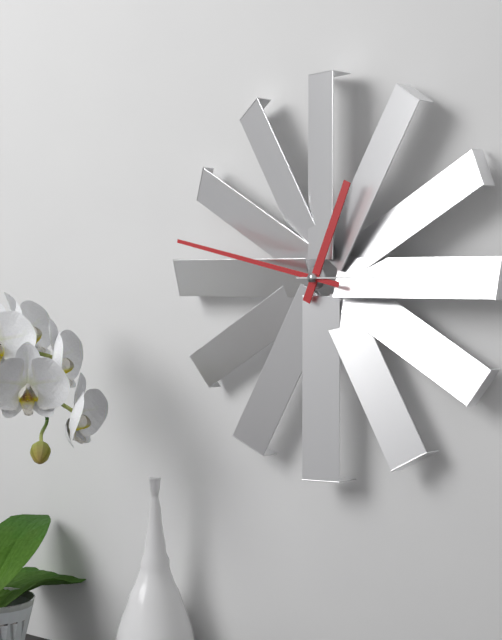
12:47:15
